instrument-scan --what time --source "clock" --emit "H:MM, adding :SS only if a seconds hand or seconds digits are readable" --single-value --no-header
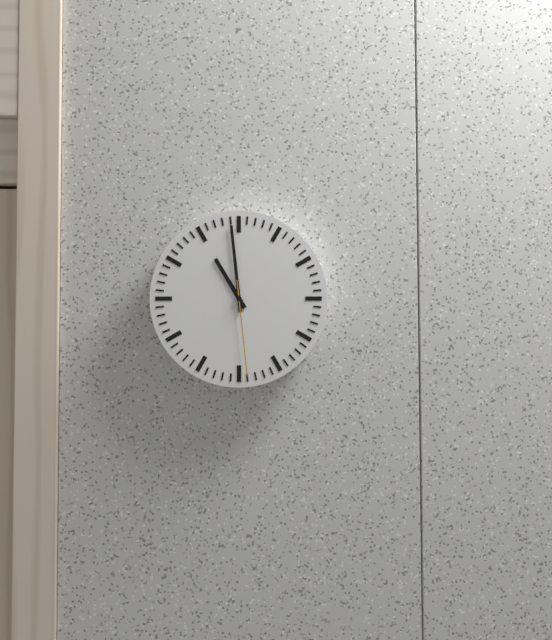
10:59:29
